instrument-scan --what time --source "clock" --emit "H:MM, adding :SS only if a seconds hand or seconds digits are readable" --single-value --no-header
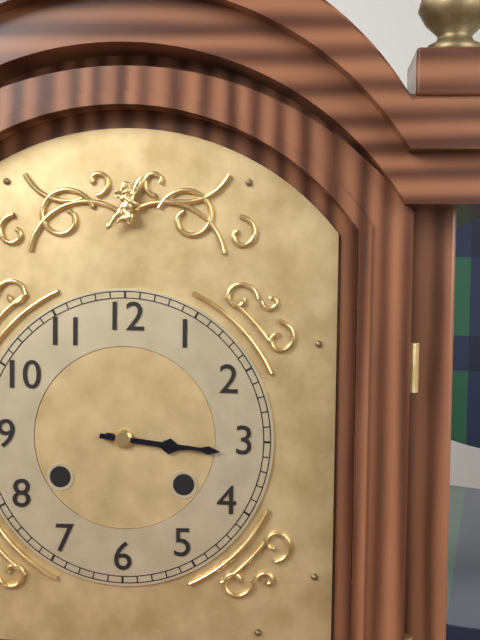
3:16
